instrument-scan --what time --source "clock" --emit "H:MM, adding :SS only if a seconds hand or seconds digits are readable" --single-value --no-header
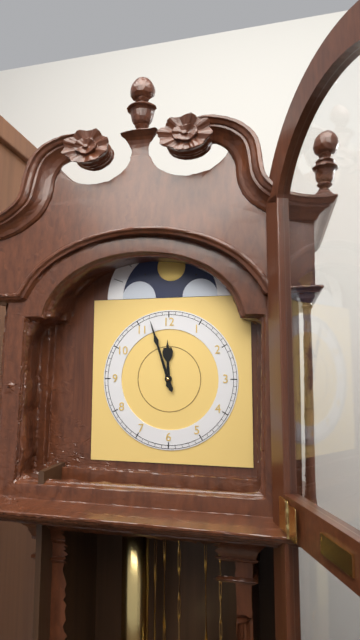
11:57
